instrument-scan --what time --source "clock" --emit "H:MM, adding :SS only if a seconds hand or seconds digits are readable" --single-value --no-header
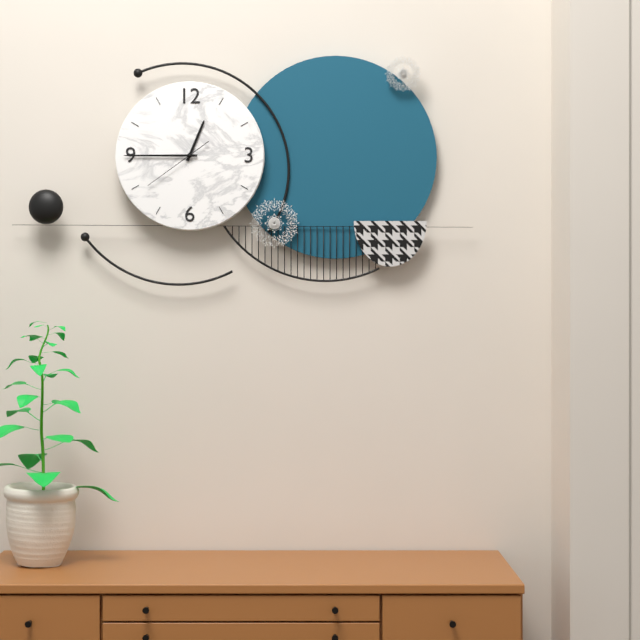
12:45:39
